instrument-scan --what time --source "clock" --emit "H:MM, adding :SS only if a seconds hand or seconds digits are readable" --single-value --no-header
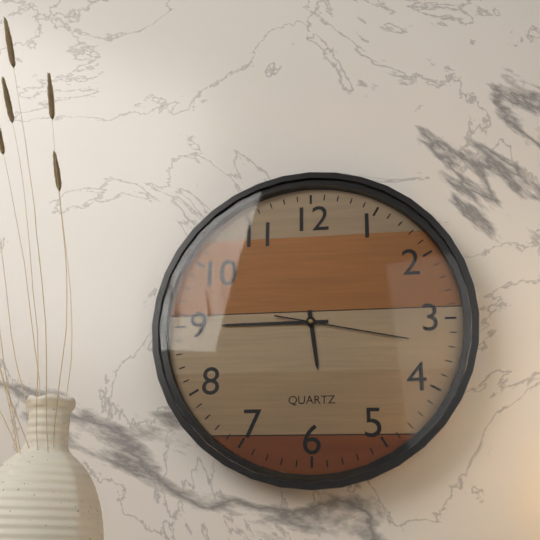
5:45:17
